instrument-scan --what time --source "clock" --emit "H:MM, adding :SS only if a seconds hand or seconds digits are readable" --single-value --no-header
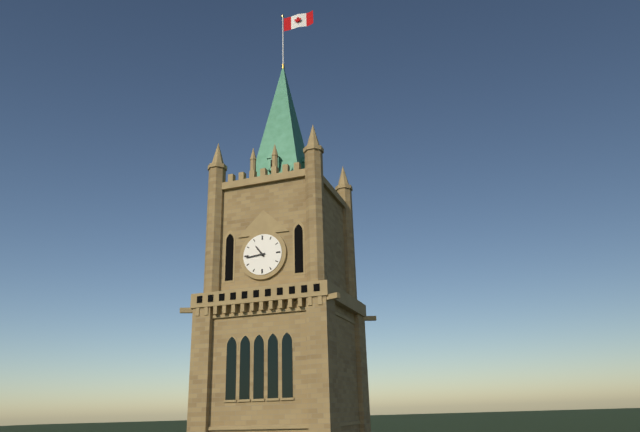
10:44
